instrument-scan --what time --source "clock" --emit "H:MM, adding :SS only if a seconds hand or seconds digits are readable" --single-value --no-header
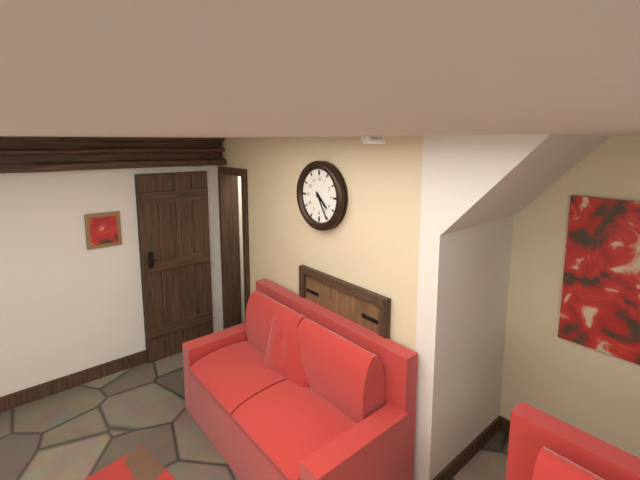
4:25
